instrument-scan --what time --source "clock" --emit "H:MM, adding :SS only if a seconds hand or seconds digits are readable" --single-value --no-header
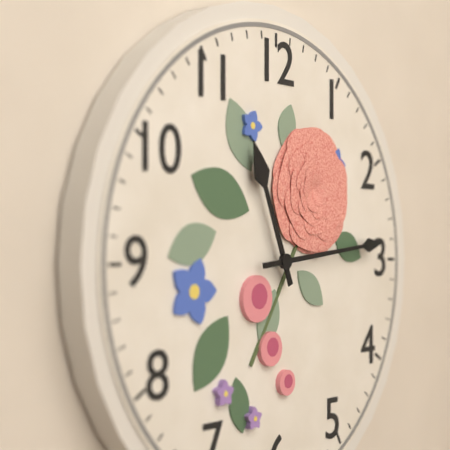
11:14
